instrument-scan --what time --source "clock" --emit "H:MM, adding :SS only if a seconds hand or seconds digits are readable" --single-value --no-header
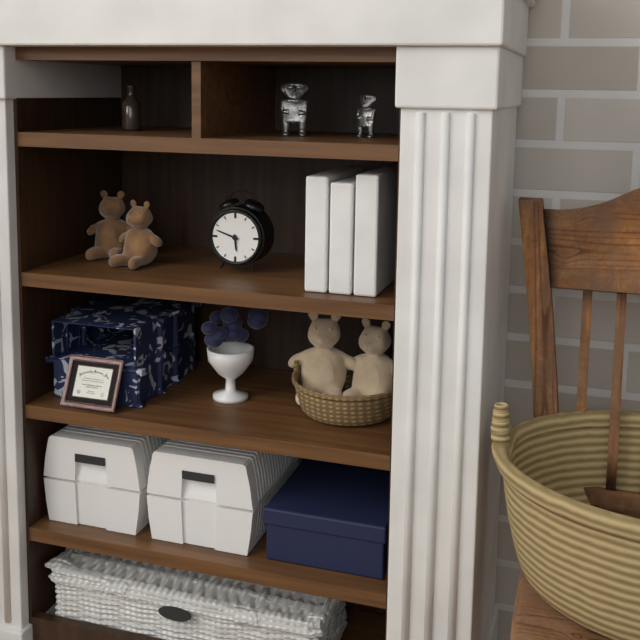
5:48
